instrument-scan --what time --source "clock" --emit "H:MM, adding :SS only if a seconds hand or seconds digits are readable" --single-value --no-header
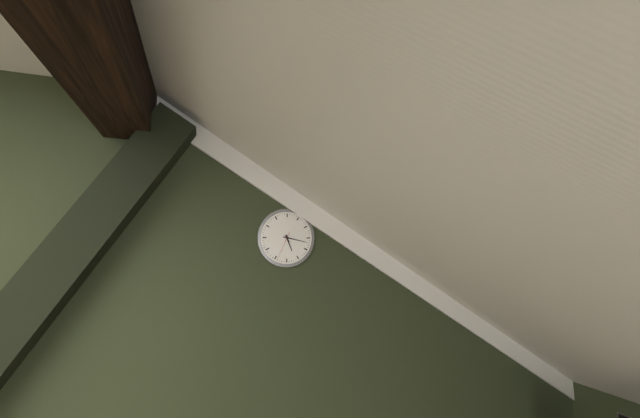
5:17
